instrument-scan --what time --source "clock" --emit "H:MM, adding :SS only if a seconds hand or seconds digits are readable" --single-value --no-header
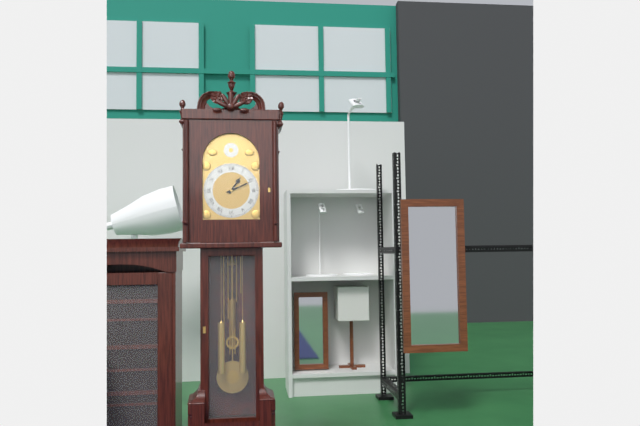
1:11
